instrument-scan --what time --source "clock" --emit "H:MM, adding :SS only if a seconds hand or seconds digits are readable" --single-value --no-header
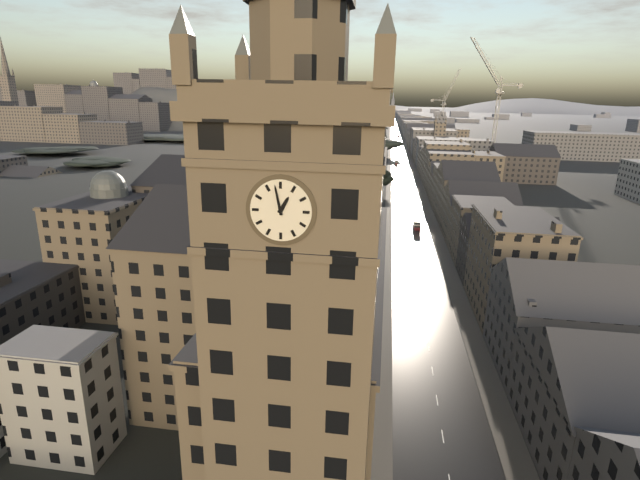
12:58
